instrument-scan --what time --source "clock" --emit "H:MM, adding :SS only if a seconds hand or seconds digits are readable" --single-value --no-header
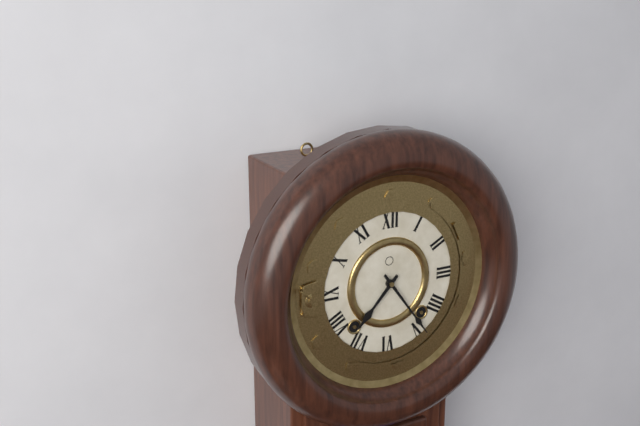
7:24
